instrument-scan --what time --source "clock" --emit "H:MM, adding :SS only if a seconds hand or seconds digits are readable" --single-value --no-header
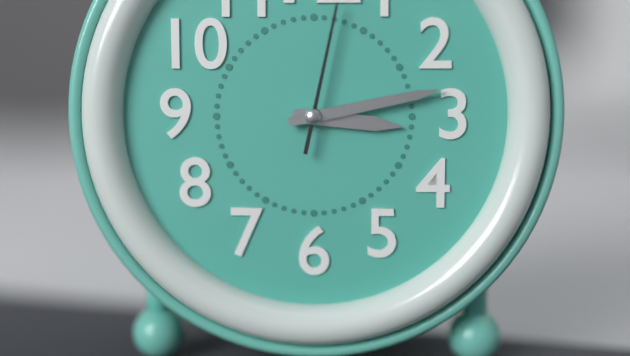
3:13:02
